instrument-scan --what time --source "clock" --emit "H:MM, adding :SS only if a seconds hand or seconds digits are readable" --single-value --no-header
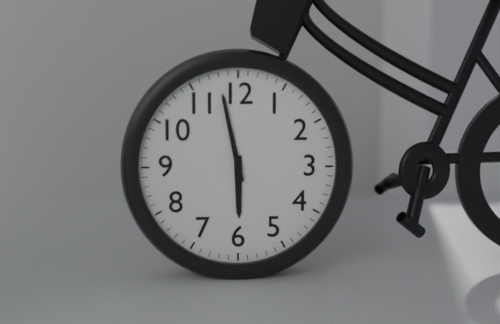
5:58
